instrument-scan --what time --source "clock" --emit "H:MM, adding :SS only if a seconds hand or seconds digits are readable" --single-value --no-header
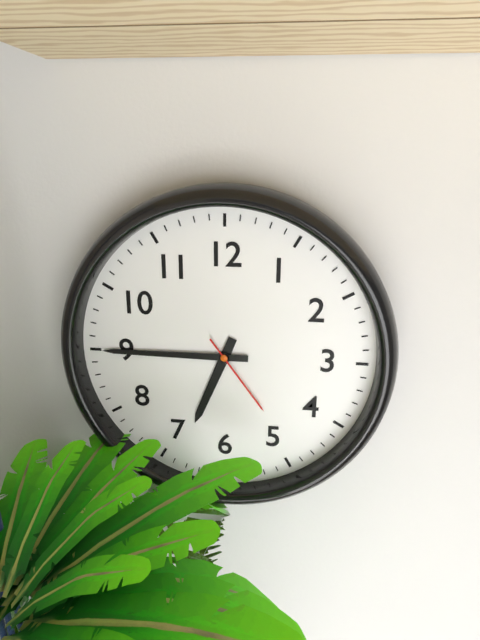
6:45:24
